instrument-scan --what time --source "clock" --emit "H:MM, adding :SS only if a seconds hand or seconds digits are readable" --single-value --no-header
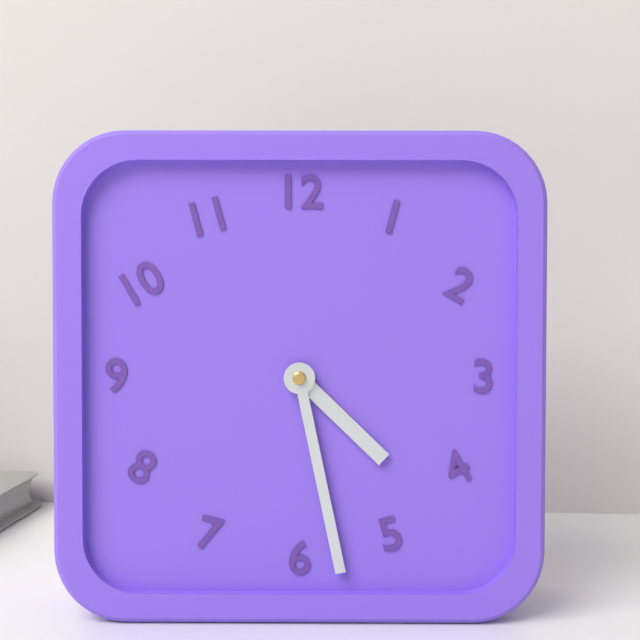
4:28
